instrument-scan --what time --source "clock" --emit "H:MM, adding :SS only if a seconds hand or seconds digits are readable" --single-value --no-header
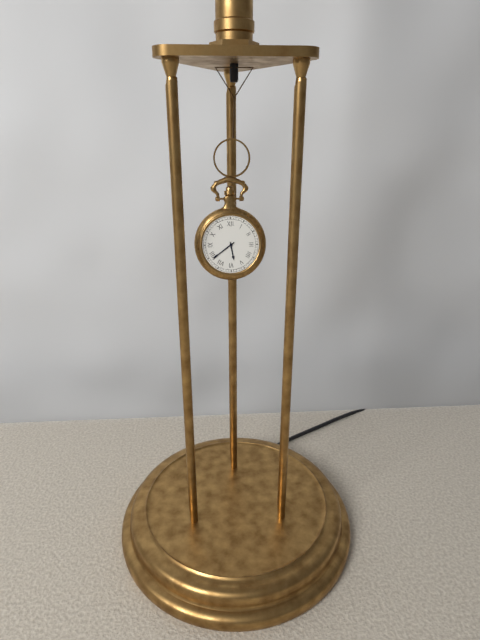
5:39
